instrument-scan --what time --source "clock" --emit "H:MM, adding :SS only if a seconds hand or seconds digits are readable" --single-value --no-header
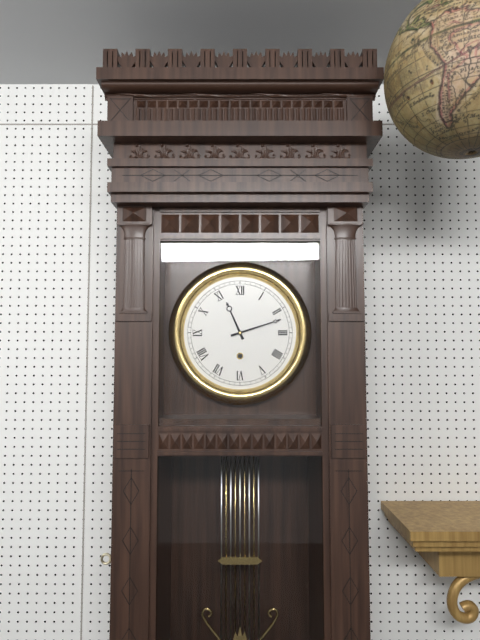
11:12
